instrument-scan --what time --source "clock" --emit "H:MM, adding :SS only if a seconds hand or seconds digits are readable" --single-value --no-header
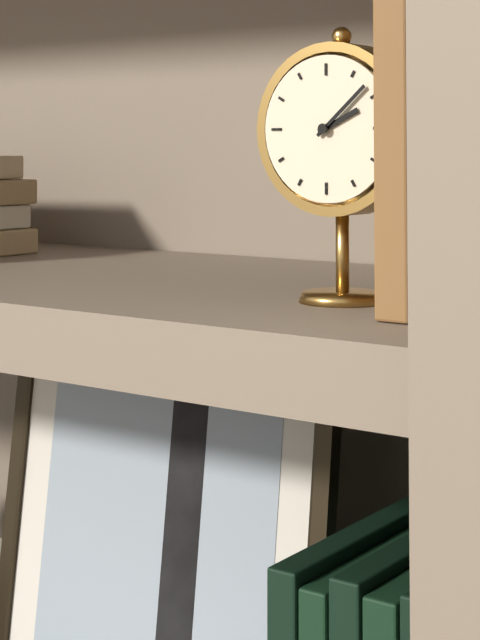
2:08
